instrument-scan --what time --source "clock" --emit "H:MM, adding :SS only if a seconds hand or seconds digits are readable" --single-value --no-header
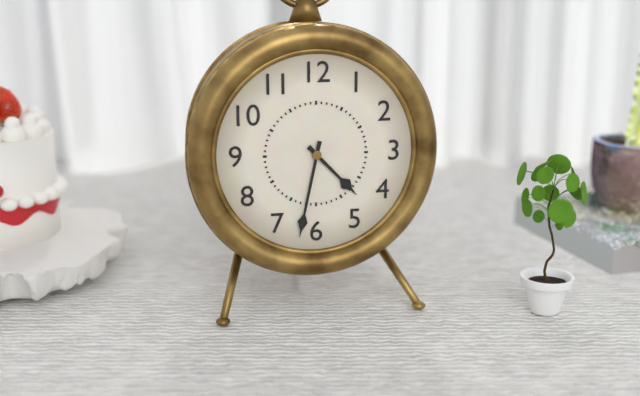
4:32
